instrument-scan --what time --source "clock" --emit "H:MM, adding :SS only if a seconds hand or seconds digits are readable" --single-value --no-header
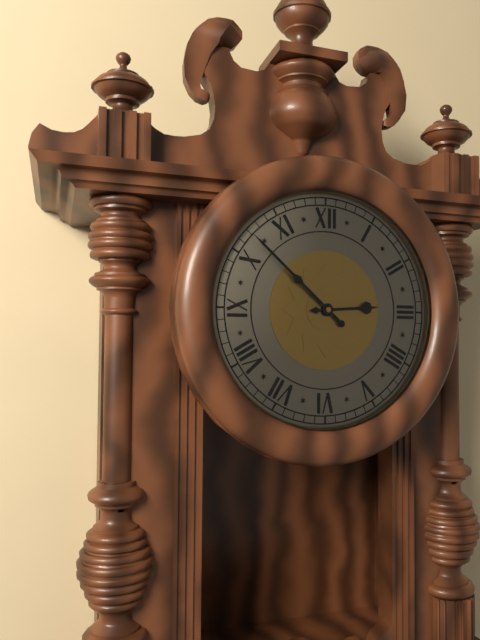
2:52
